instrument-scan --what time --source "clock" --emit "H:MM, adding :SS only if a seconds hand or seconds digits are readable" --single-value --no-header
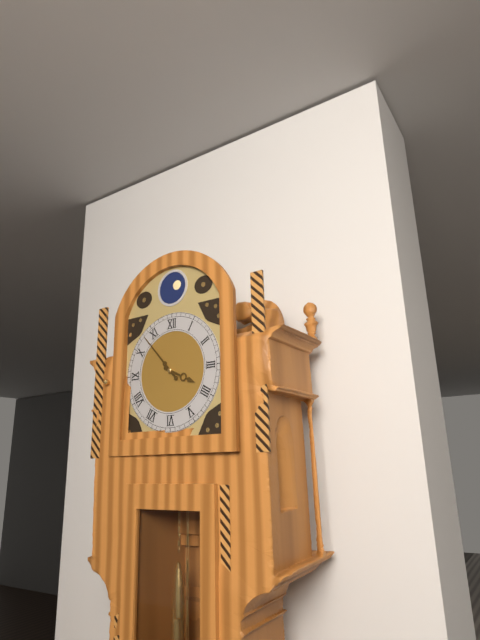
3:53
